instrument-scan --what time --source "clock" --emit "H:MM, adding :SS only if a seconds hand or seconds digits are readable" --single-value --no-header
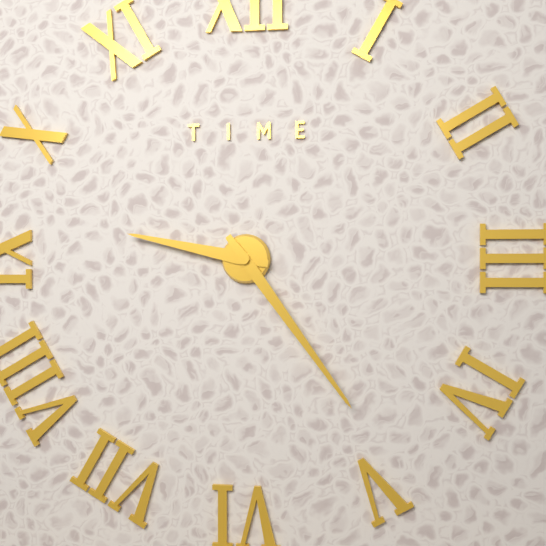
9:24
